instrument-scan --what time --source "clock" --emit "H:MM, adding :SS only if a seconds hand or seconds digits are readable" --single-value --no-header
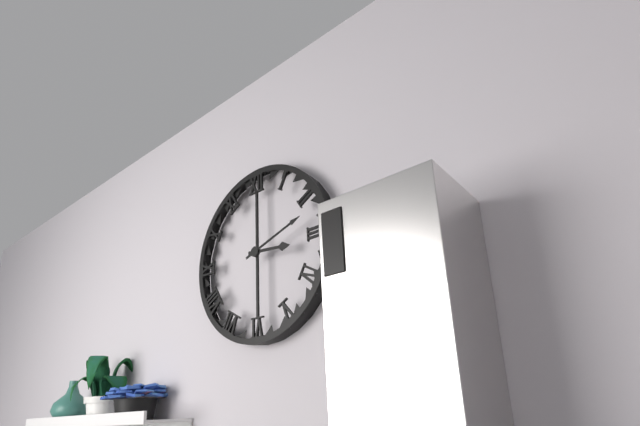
3:12
